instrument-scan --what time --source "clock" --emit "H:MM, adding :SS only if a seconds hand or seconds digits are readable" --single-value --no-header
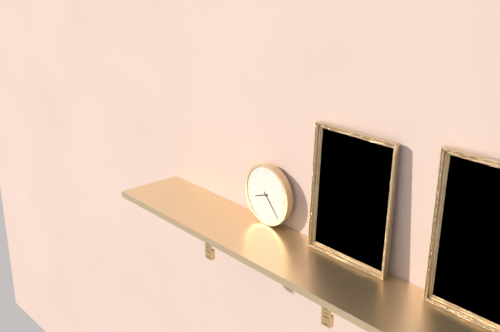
8:23
